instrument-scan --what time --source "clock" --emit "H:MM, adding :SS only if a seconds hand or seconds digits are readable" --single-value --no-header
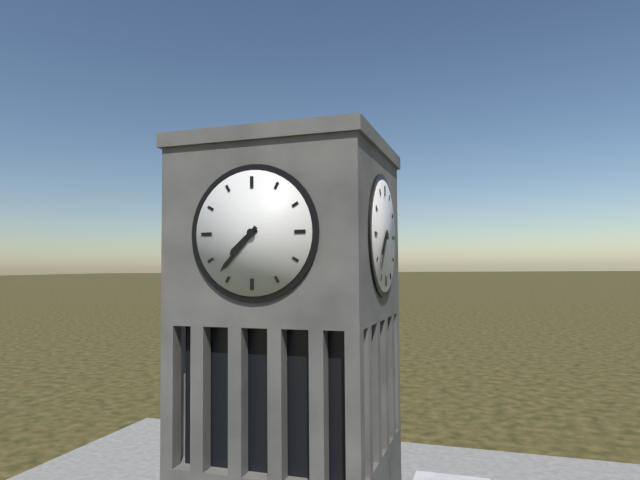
7:37
